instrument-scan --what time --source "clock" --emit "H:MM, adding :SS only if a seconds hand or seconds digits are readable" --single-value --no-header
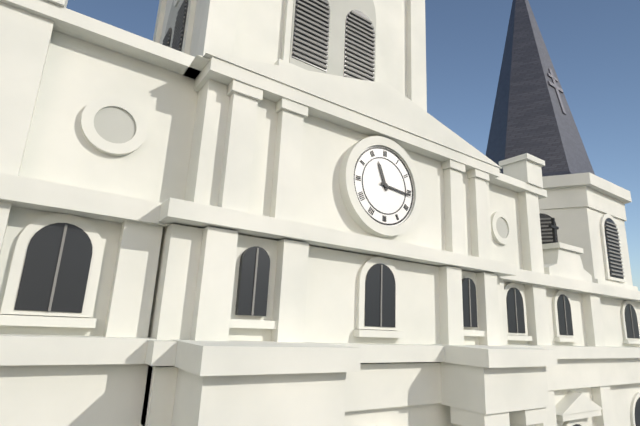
11:16
